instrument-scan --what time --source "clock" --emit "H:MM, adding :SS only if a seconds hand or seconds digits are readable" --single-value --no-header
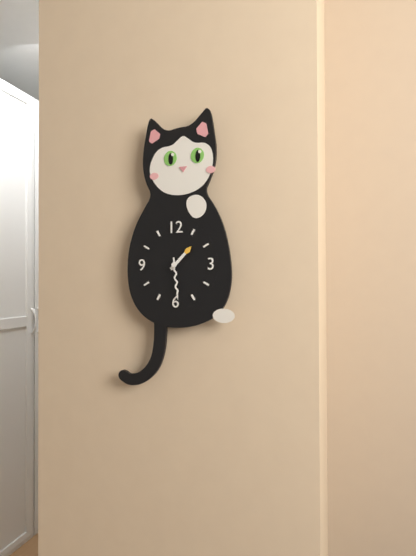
1:29
